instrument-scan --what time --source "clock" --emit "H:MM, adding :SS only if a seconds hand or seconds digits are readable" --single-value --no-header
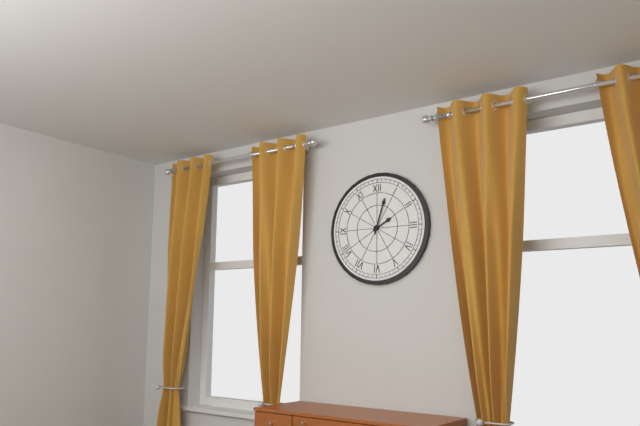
2:03
